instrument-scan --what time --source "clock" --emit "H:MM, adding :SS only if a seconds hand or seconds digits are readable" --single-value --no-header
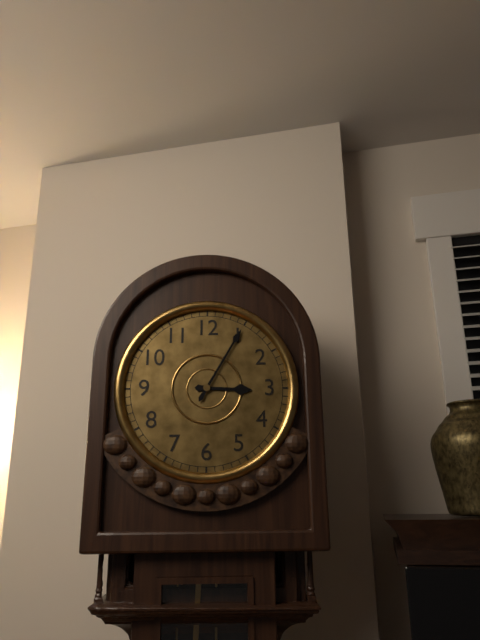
3:05
